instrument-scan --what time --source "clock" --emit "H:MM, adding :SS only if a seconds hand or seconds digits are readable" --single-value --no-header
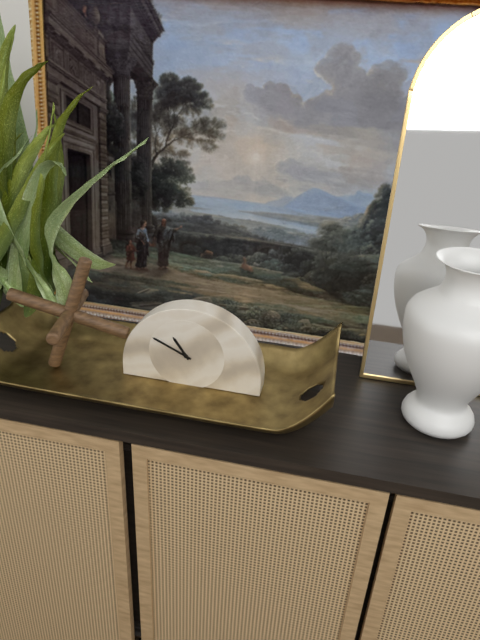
10:49
